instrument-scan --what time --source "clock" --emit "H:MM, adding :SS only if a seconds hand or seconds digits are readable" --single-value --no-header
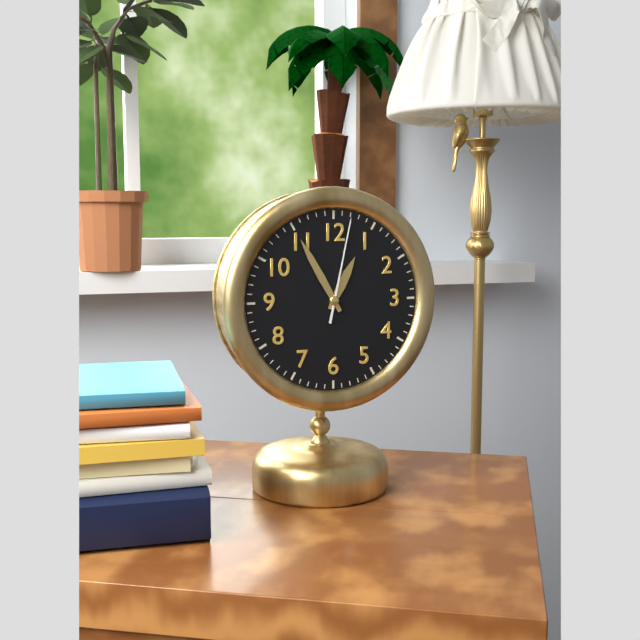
12:55:02
